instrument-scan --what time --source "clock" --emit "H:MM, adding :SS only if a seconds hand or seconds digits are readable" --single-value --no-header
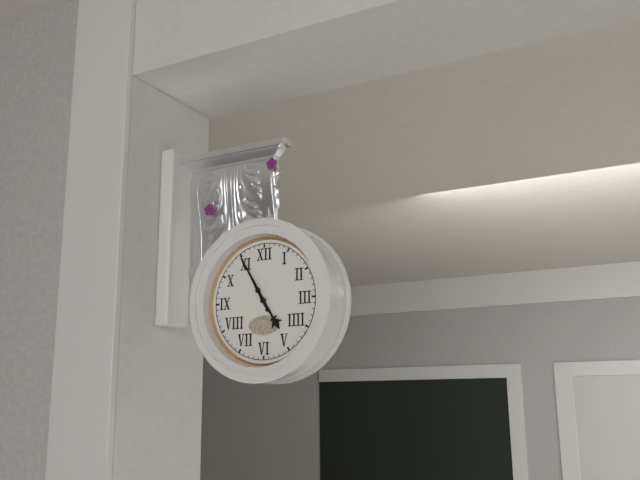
4:55
